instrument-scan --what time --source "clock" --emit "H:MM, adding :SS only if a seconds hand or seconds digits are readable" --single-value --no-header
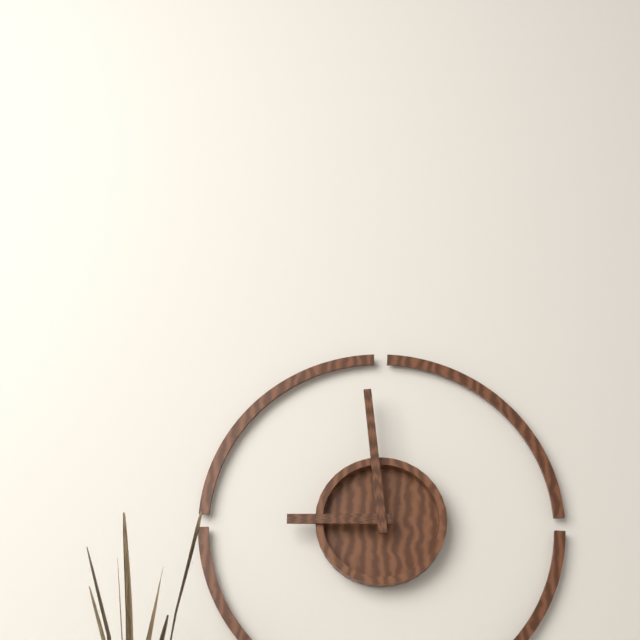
8:59
